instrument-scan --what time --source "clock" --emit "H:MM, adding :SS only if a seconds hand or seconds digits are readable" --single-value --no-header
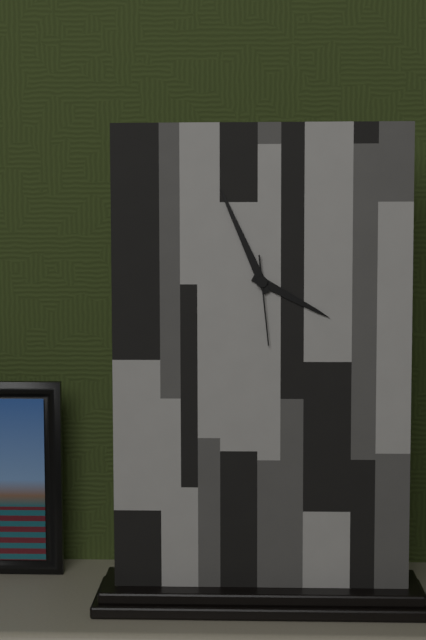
3:56:29
